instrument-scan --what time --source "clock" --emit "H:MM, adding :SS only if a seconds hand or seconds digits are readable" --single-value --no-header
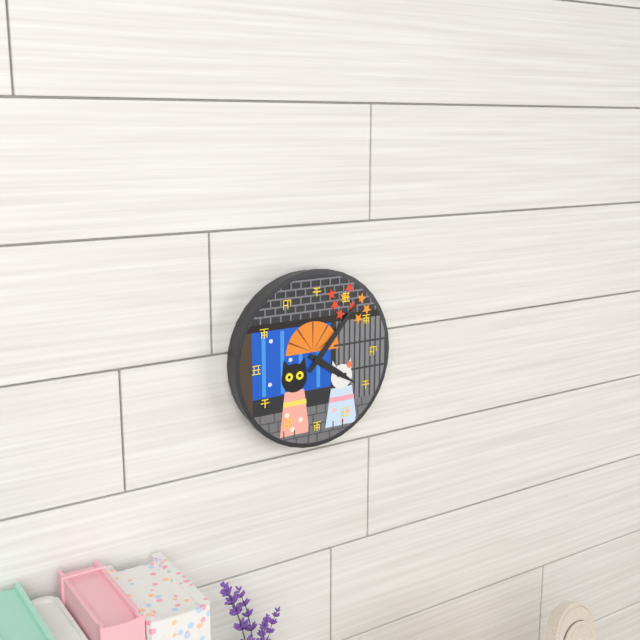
4:07
